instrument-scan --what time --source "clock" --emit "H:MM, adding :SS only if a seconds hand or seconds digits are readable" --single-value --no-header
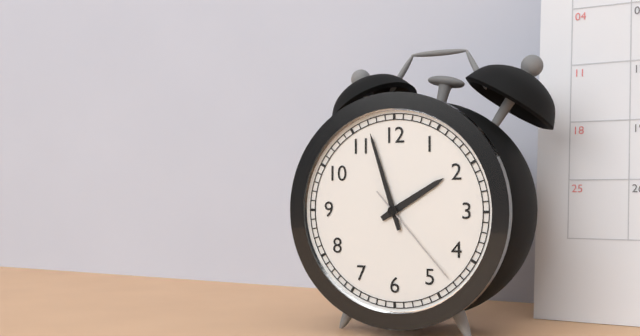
1:57:23
